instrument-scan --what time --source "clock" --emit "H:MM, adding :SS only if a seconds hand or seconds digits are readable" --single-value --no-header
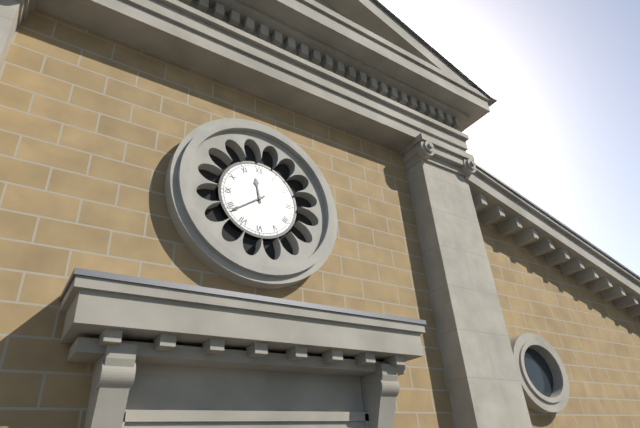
11:39
